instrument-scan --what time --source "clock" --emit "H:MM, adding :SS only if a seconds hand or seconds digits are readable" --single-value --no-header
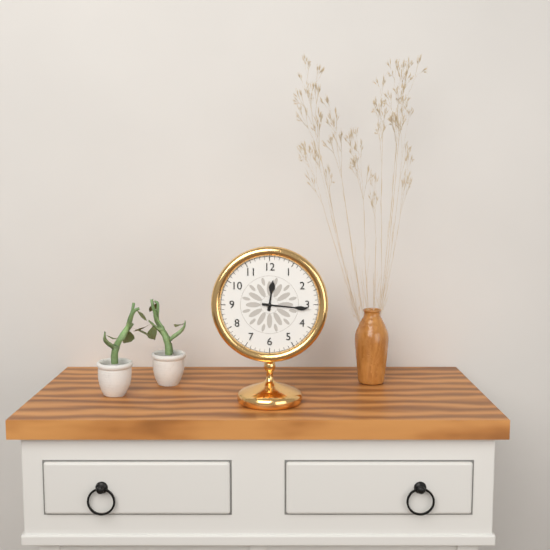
12:16
